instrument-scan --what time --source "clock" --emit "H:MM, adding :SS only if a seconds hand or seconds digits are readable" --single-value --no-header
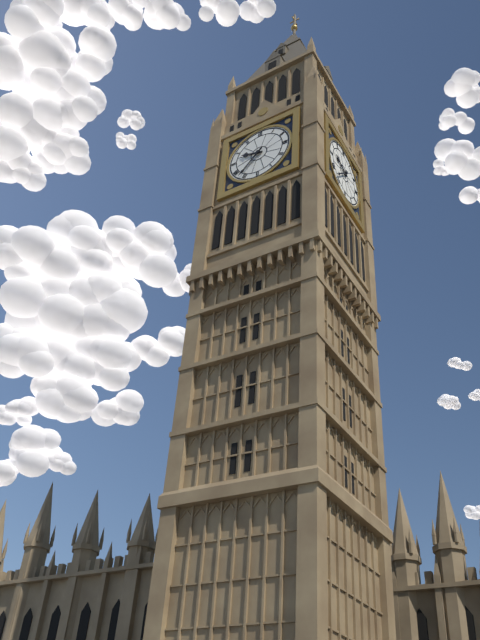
9:37
